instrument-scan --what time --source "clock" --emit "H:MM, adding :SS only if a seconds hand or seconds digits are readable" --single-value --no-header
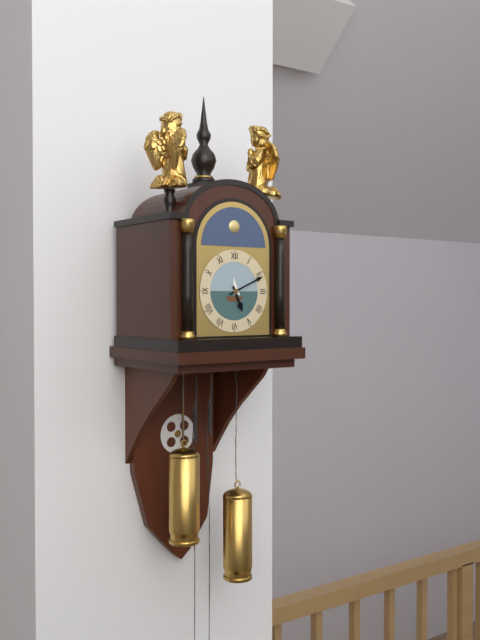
5:11
